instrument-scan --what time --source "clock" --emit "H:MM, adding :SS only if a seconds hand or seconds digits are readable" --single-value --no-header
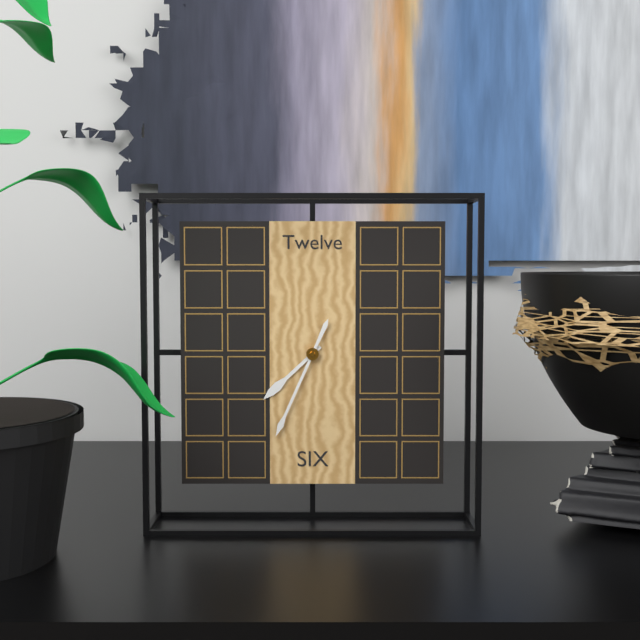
7:34
